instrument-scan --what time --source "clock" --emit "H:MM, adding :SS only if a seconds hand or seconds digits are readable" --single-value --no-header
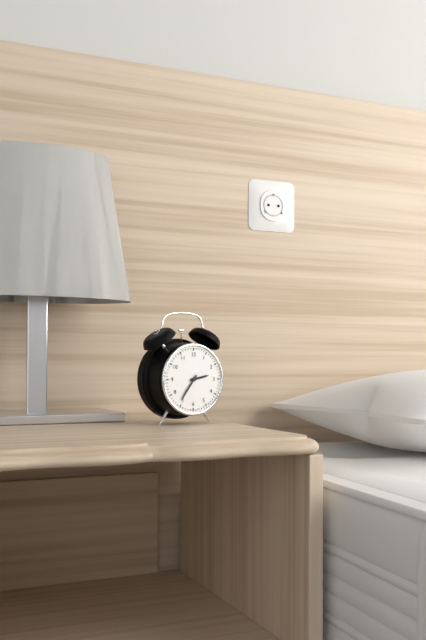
2:36
